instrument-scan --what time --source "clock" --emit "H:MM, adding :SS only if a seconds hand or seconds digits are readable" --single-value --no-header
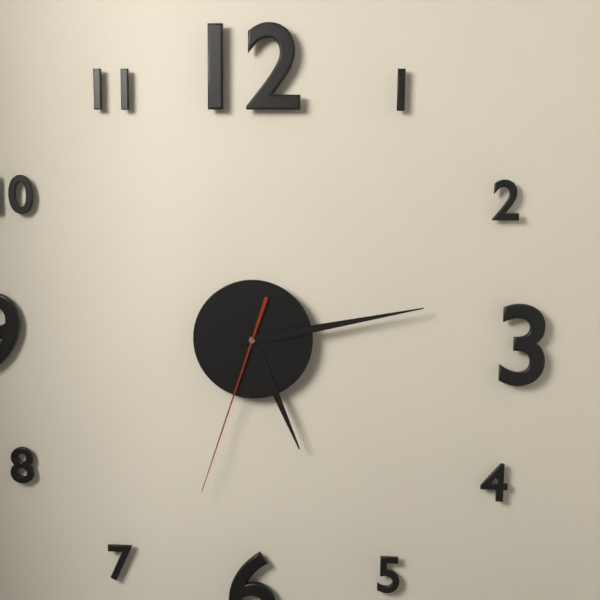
5:13:33
